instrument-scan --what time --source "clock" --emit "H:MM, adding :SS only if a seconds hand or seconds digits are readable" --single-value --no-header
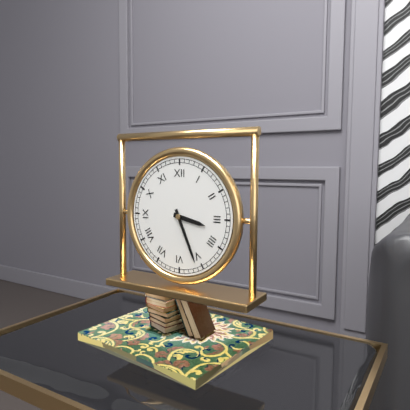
3:26
